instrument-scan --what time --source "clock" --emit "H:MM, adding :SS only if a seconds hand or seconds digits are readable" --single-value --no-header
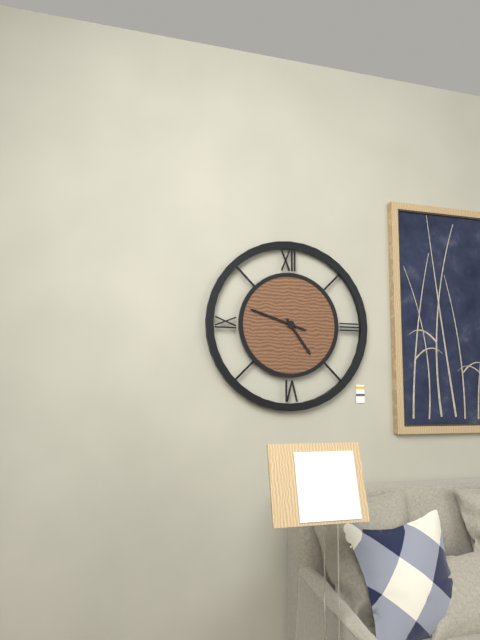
4:48
